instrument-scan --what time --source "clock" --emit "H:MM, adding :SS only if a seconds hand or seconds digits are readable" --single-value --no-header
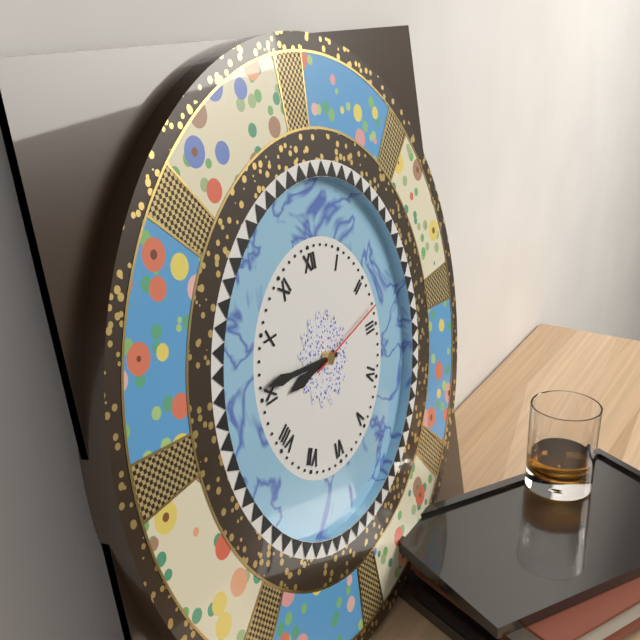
8:46:13
